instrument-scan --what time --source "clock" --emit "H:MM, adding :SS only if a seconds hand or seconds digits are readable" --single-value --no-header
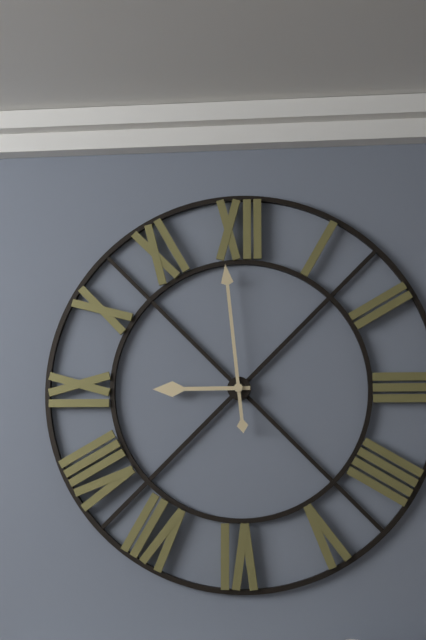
8:59
